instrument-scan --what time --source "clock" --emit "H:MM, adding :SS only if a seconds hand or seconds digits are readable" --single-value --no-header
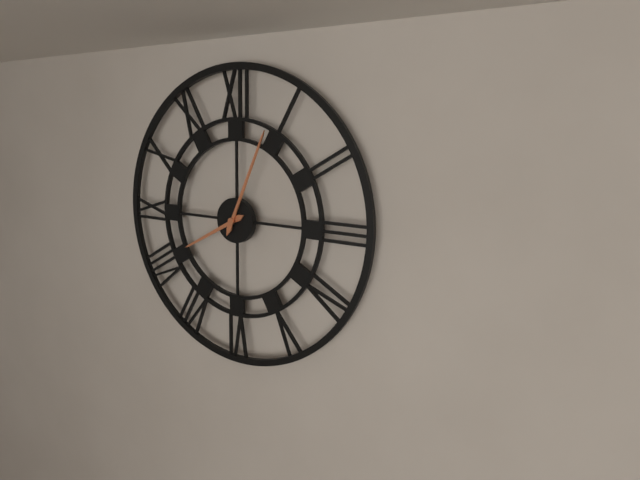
8:04
